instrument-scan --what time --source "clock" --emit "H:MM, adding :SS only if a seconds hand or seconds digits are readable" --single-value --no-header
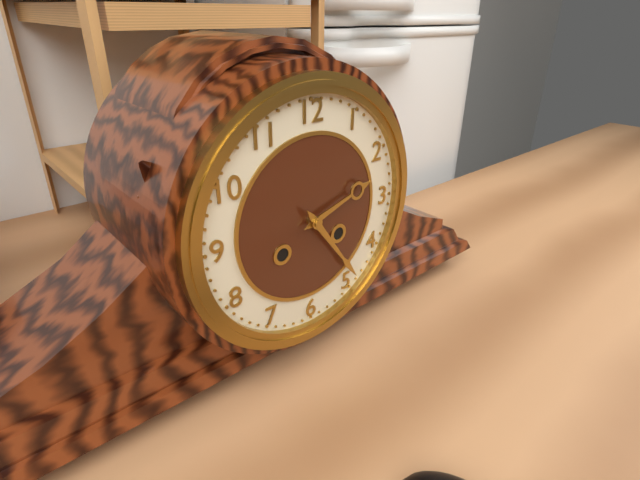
2:24
